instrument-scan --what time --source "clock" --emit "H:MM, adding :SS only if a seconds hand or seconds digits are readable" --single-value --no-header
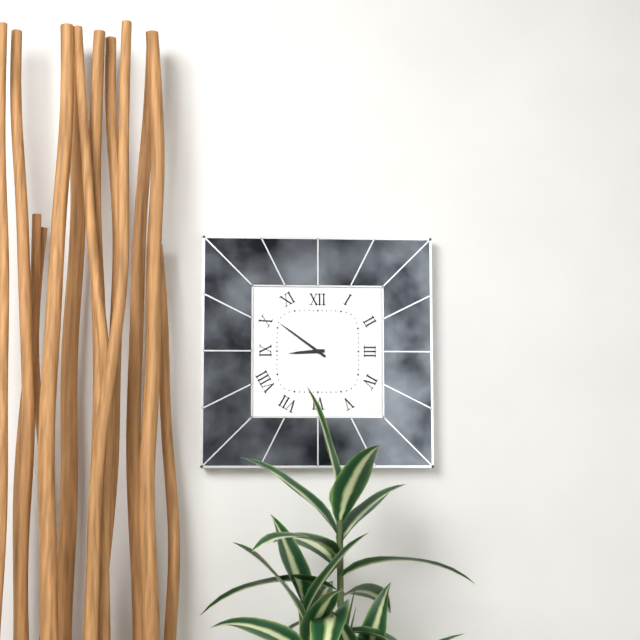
8:51
